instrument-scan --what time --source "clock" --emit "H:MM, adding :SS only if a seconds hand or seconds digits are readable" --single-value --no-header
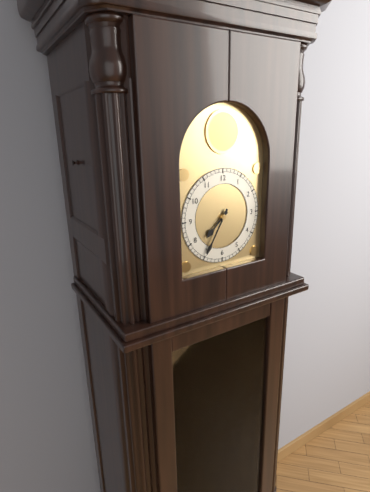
7:35
